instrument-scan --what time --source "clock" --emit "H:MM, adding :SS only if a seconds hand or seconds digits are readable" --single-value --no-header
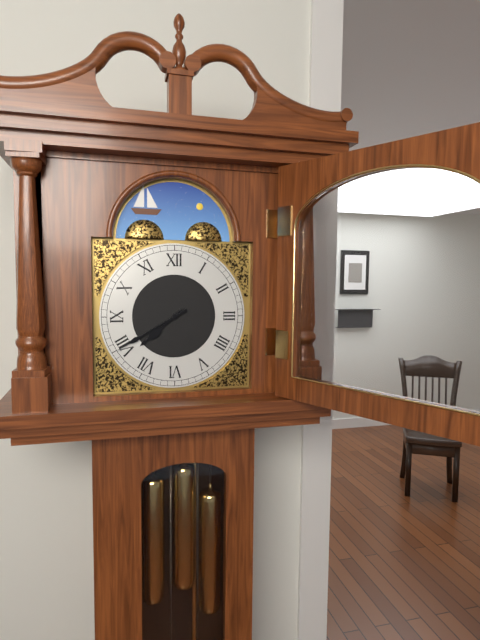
7:40
